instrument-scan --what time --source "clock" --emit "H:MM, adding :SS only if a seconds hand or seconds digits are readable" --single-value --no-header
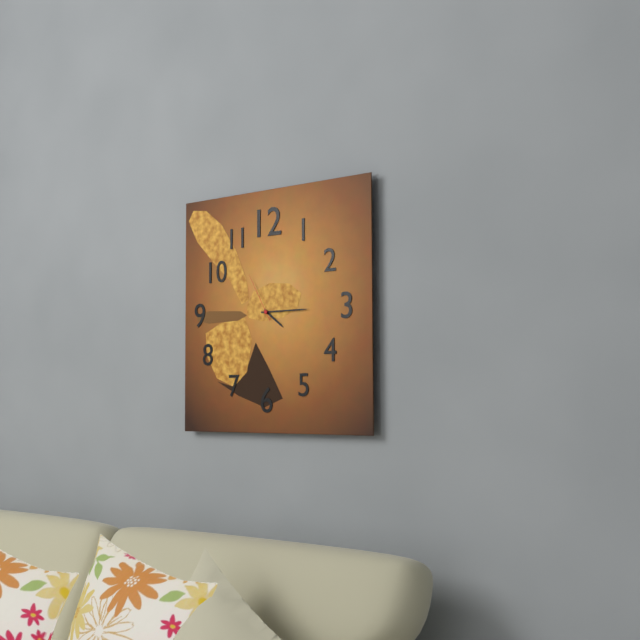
4:15:55
